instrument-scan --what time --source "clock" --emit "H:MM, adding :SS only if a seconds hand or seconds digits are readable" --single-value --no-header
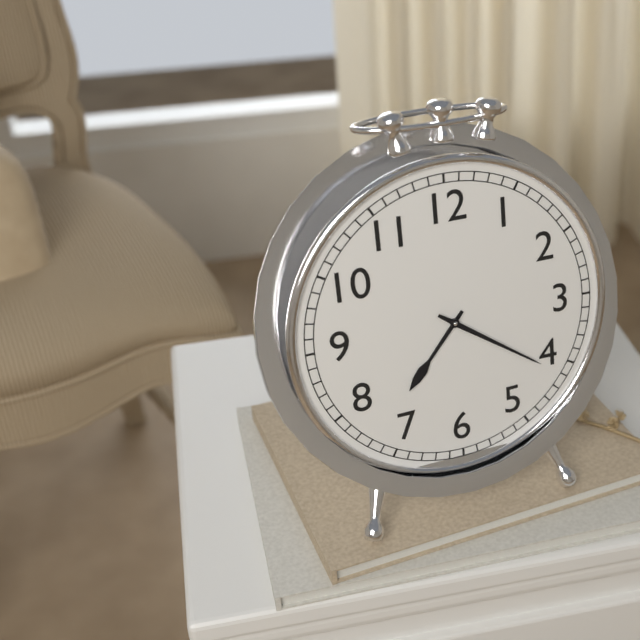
7:21
